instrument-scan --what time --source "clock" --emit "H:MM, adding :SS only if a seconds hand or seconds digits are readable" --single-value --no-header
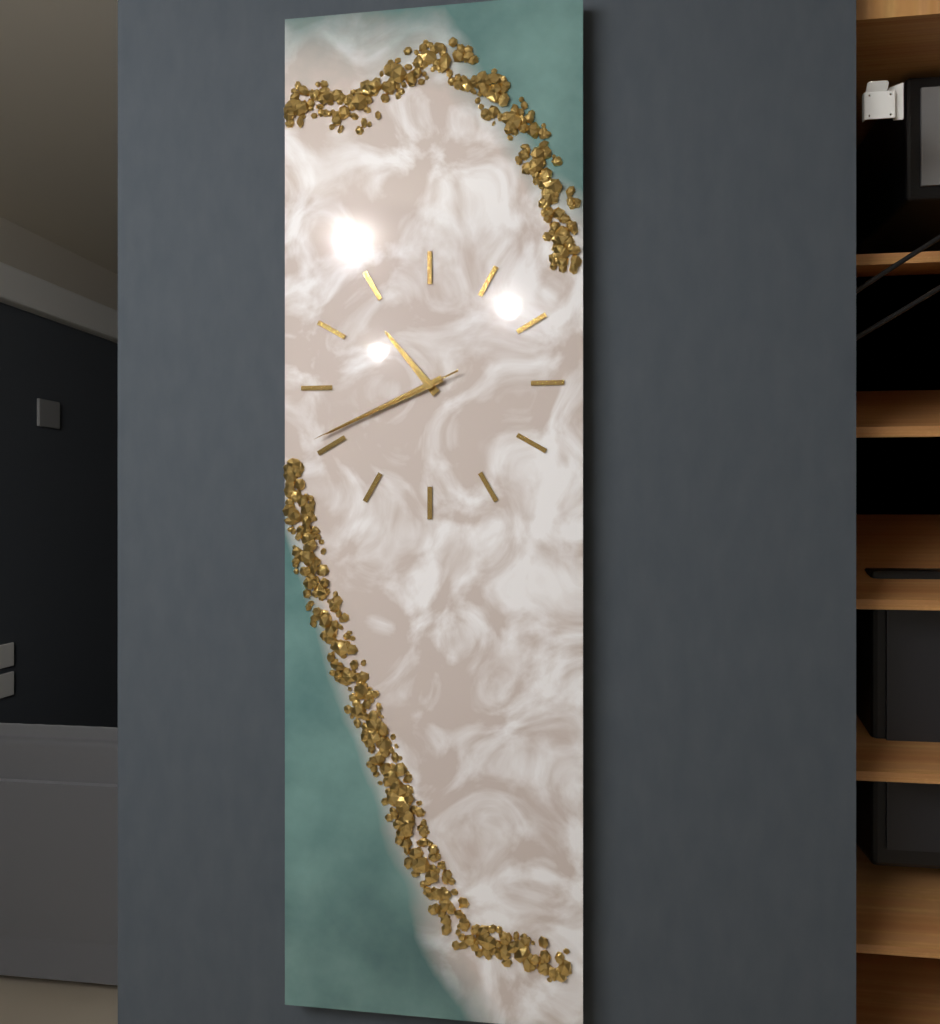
10:41:41
